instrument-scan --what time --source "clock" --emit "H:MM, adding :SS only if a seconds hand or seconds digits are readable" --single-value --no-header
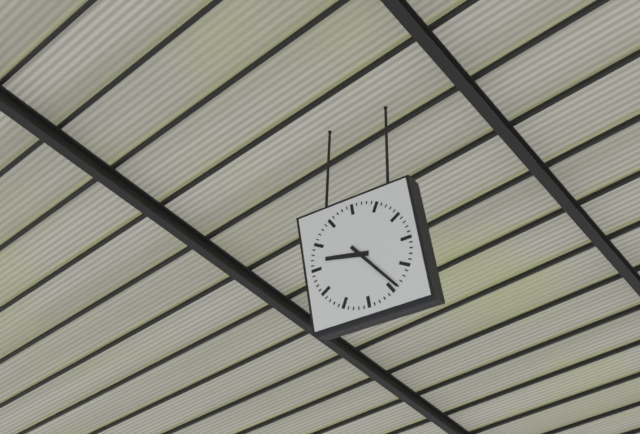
9:24
